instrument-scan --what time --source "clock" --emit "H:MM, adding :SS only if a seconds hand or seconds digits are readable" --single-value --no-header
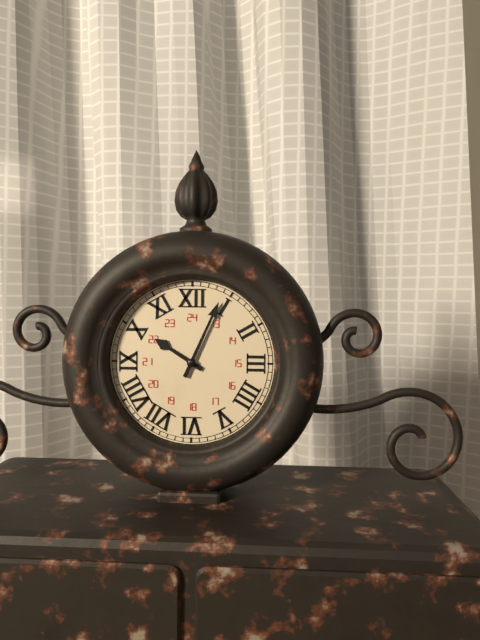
10:04
